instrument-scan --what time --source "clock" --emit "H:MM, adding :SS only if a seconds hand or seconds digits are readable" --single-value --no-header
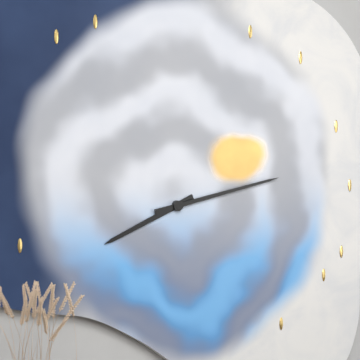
8:13
